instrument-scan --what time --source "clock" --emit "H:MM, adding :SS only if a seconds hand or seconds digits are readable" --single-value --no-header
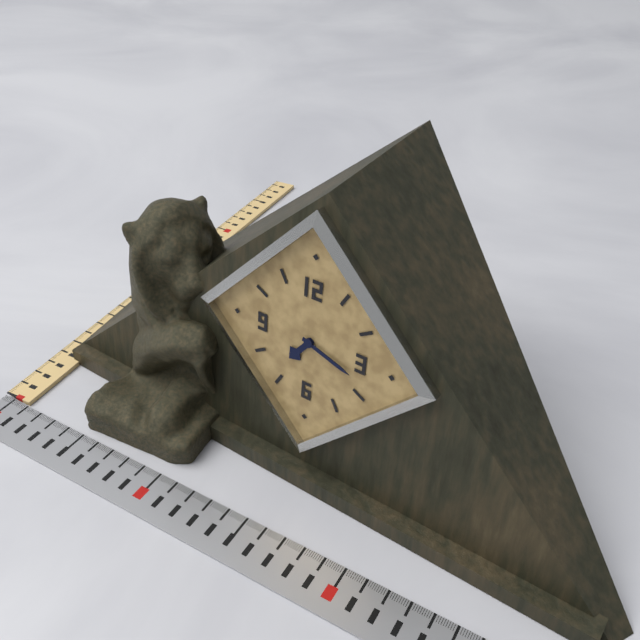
7:18
